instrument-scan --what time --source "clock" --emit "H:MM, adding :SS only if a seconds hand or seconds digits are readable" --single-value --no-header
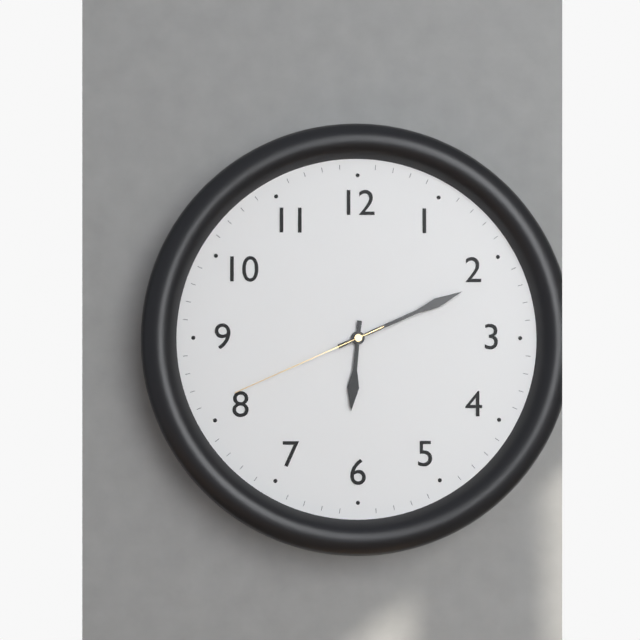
6:11:41
